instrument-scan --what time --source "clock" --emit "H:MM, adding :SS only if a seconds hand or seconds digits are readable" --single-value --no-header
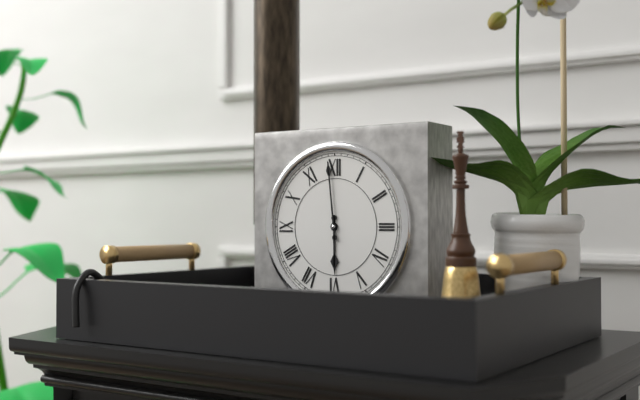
5:59
